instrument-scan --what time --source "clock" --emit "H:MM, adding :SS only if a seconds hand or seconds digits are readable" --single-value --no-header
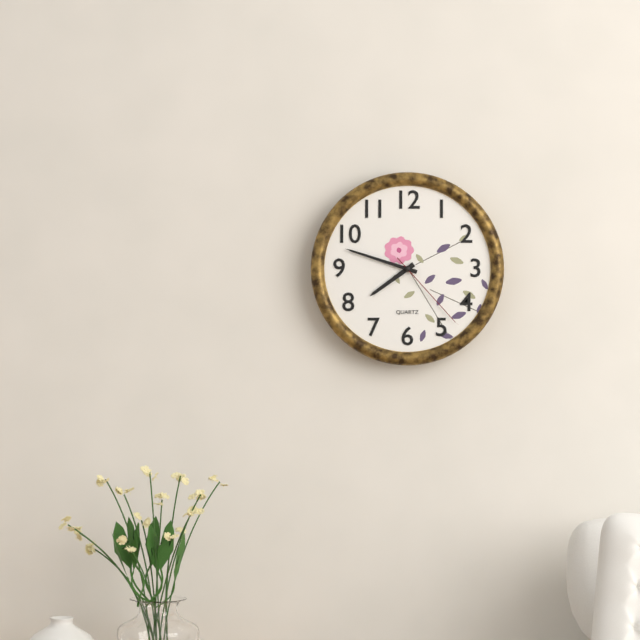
7:48:23
